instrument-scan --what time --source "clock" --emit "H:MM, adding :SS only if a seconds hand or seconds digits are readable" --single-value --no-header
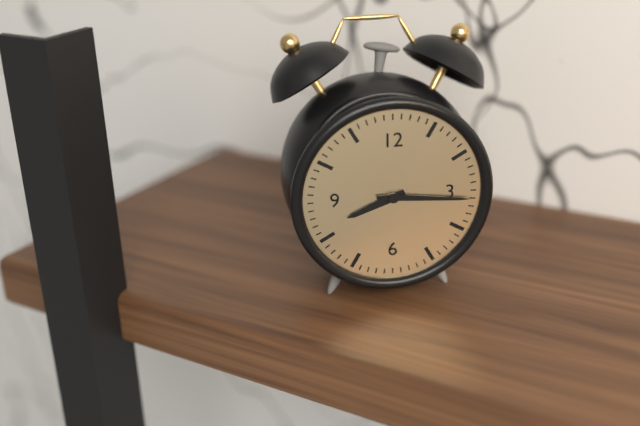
8:16
